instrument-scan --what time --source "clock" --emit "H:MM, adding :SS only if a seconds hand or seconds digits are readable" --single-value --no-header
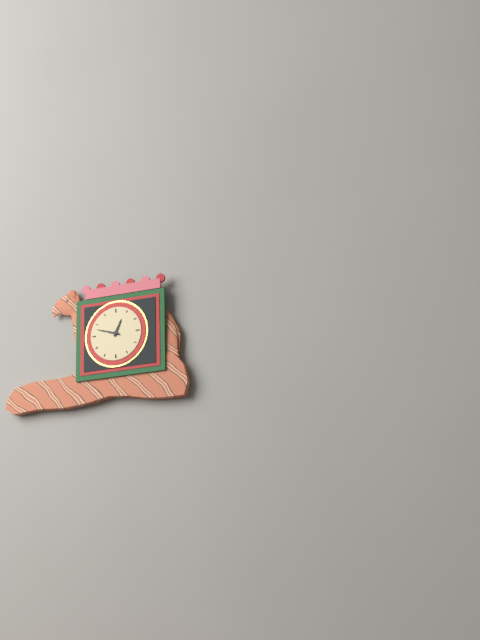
12:48
